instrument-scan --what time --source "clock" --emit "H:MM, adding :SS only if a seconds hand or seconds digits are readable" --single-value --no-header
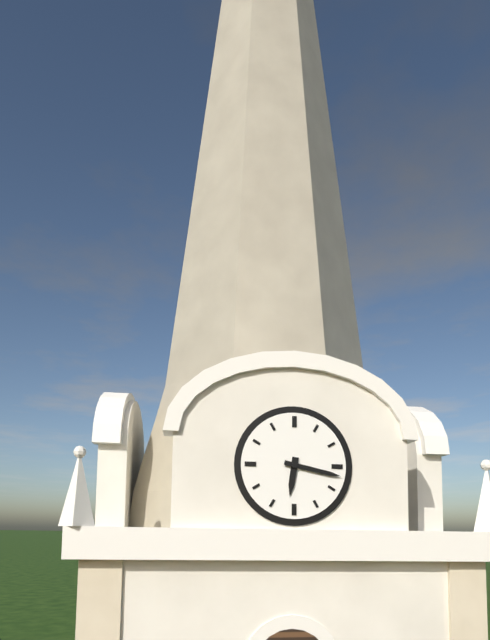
6:17
